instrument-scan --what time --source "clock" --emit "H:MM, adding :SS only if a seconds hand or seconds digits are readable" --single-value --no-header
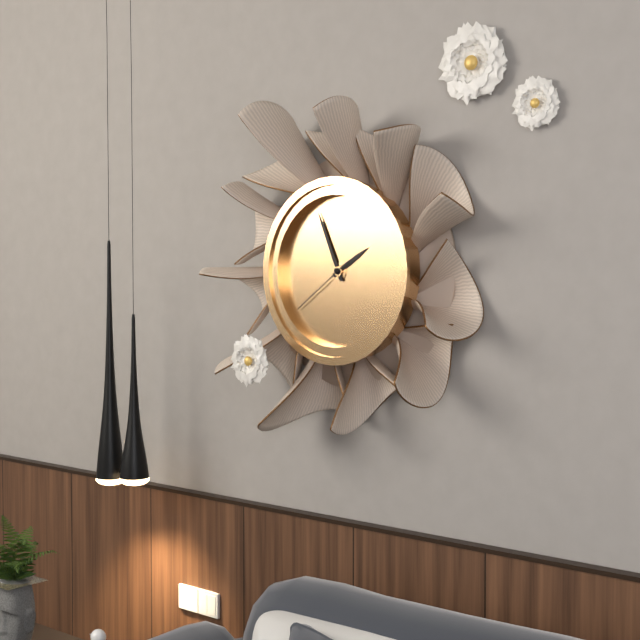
1:56:39
